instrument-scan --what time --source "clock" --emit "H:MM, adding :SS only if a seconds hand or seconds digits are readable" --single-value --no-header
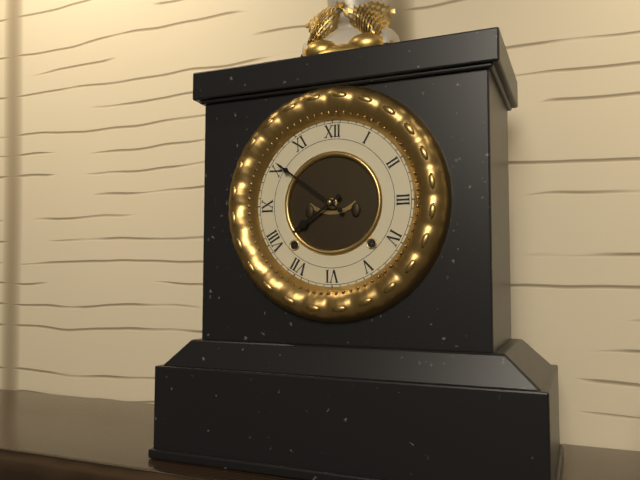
7:51
